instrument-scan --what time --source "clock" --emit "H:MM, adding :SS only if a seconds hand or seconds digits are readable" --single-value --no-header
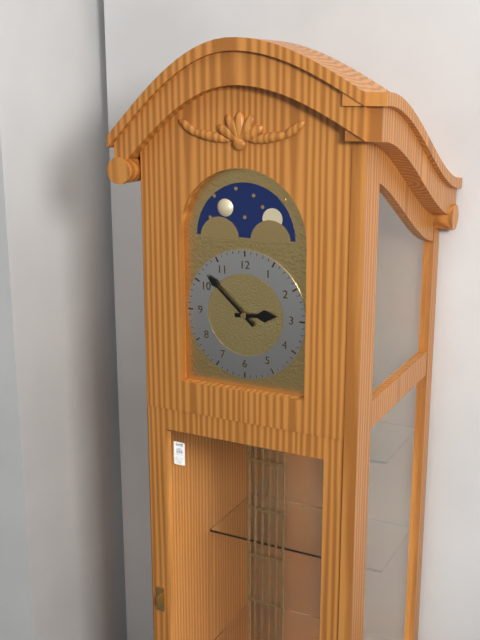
2:52
